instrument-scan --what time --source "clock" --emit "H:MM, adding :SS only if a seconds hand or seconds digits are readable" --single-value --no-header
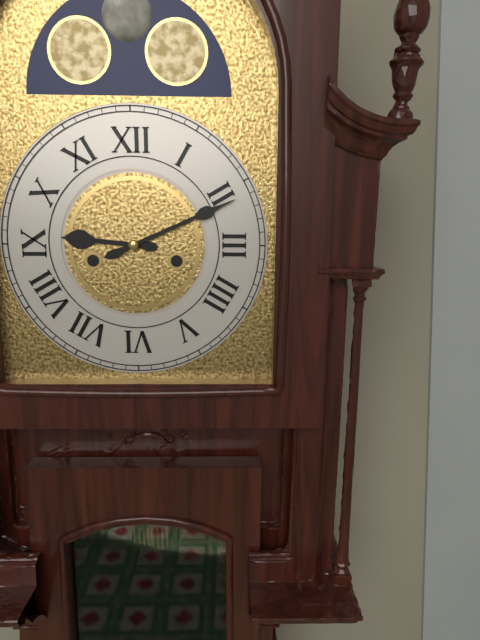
9:11
